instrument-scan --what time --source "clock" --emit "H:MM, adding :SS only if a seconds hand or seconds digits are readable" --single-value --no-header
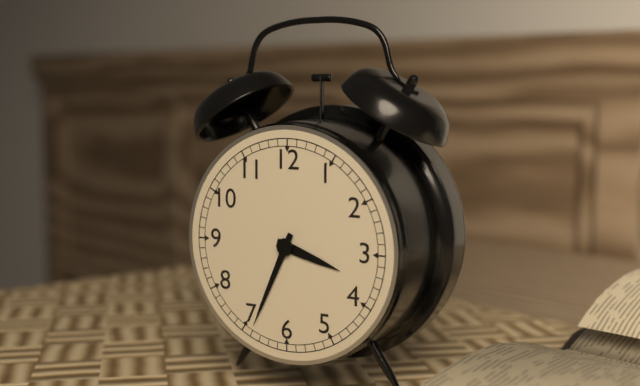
3:34
